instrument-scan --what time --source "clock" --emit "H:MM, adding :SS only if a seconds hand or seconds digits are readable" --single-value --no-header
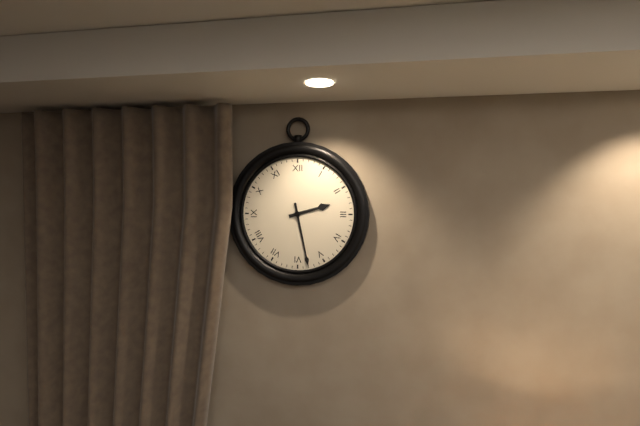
2:28
